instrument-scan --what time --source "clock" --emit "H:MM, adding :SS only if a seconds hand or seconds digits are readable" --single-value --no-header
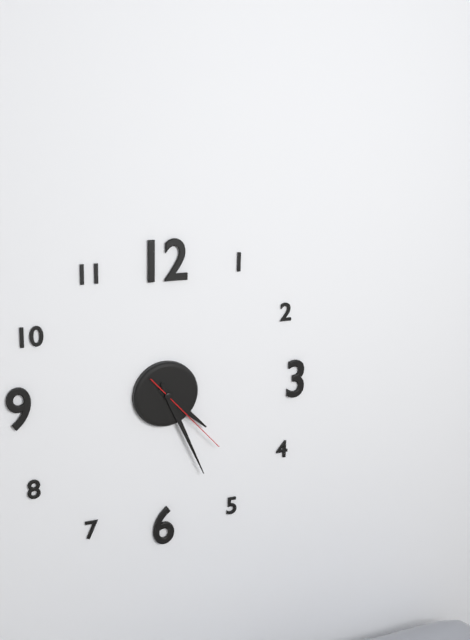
4:26:23
